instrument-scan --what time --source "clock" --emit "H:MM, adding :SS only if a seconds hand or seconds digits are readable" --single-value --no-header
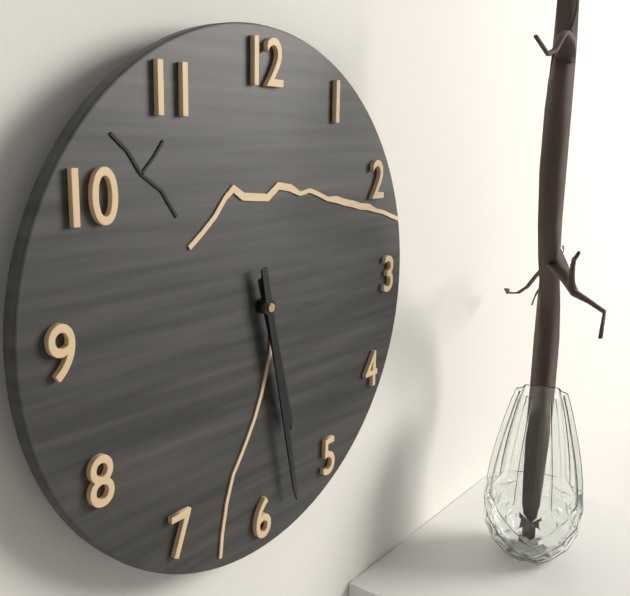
5:28
